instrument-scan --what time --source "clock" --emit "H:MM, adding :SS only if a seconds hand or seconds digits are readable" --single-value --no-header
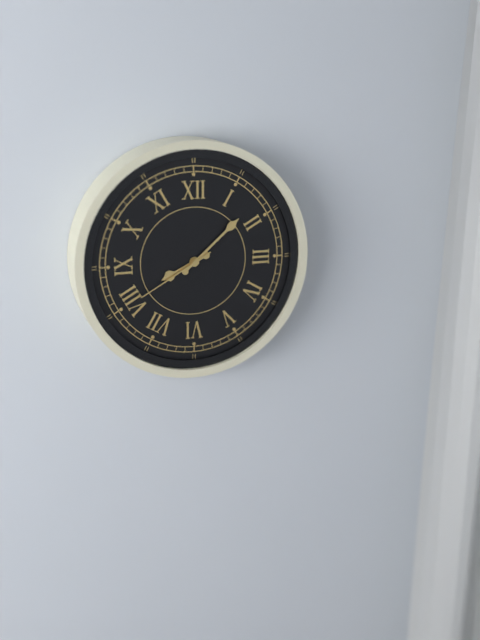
8:08:40
